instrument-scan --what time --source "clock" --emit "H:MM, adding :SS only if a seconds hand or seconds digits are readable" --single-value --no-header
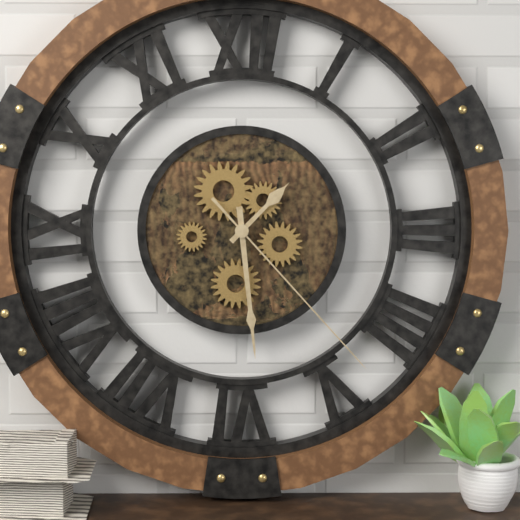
1:29:23
